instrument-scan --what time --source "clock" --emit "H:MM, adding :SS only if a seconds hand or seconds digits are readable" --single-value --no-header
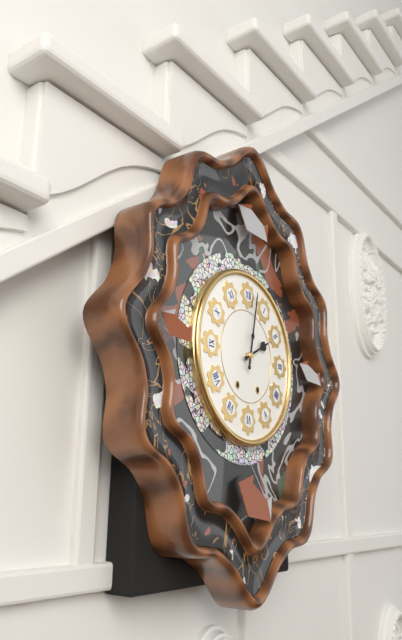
2:02
